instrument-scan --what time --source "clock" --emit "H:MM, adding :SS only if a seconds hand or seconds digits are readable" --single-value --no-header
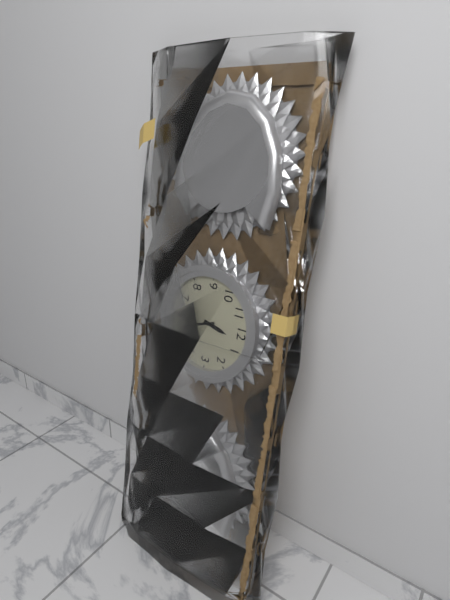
12:27
